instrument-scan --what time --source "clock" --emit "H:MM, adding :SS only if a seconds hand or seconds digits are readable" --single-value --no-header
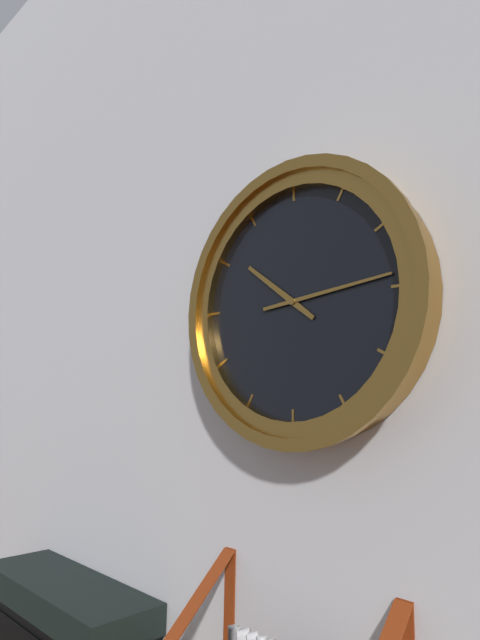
10:14
